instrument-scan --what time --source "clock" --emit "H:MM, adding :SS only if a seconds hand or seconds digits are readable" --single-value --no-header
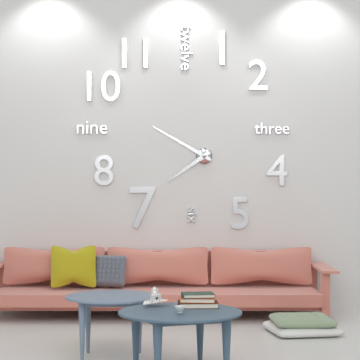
7:50
